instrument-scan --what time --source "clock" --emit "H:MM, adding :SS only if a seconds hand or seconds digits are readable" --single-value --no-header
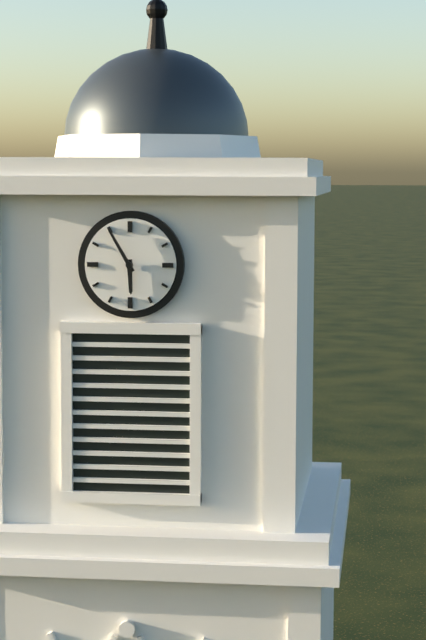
5:55
